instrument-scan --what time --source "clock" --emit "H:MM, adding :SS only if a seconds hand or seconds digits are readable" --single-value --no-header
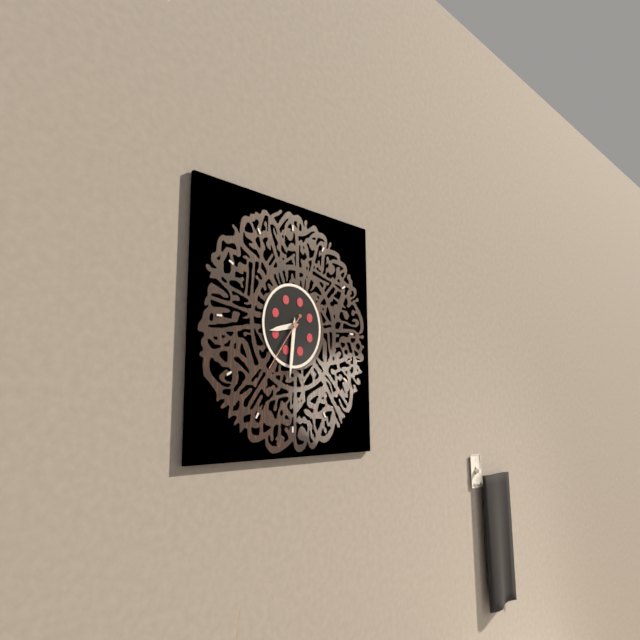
8:31:36
